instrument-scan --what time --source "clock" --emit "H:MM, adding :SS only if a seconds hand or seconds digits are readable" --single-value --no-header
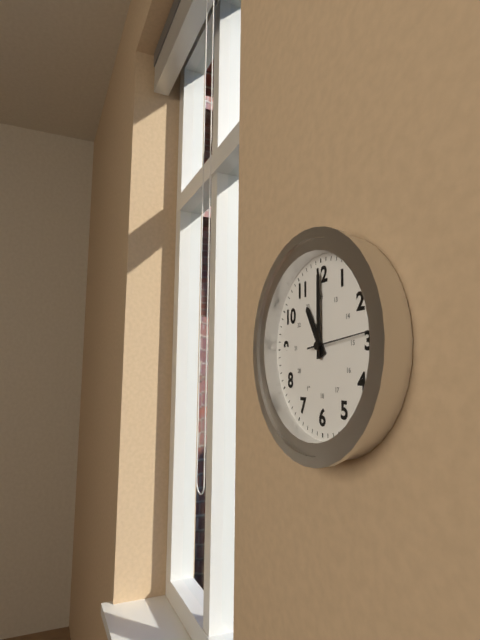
11:00:14
